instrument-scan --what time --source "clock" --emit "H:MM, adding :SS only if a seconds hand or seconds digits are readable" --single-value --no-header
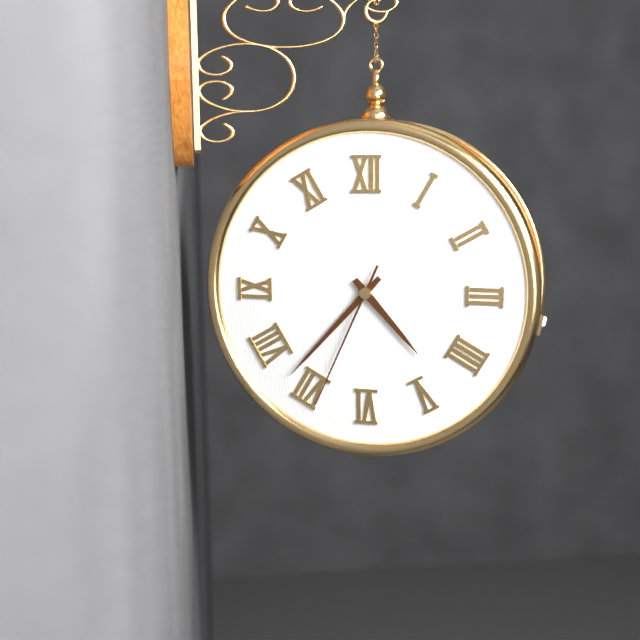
4:37:34
